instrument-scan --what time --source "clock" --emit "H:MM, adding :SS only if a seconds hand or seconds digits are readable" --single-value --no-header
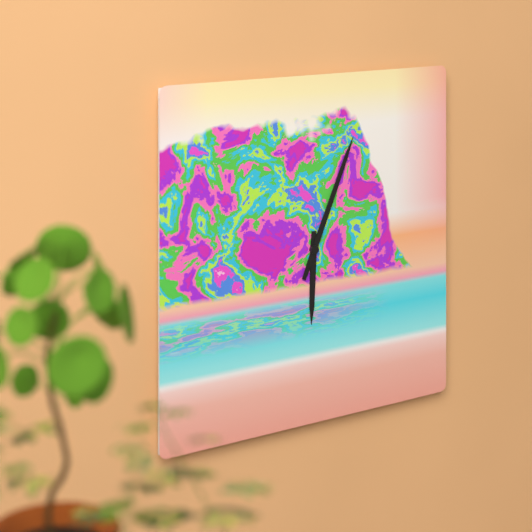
6:04
